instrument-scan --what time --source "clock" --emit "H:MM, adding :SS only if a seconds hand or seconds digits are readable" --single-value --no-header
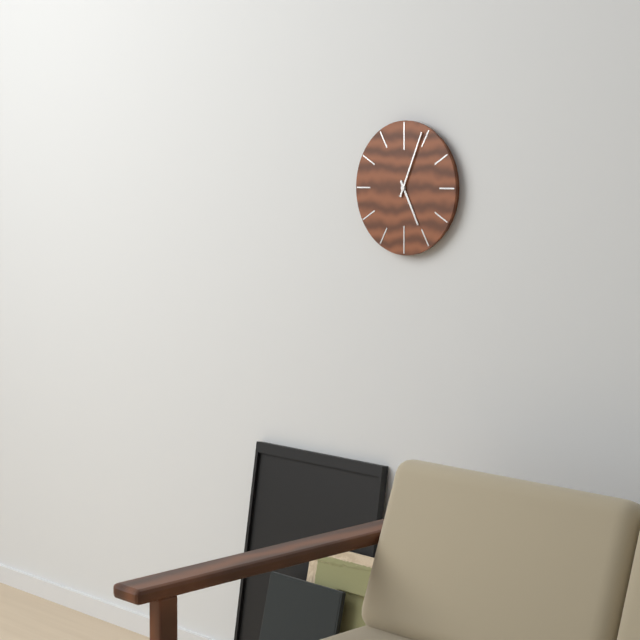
5:04
